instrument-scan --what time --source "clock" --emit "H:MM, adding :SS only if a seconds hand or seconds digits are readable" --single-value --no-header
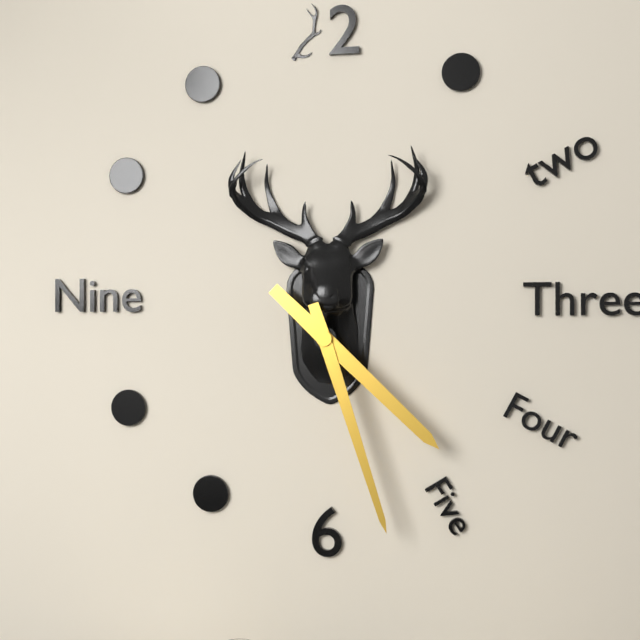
4:27
